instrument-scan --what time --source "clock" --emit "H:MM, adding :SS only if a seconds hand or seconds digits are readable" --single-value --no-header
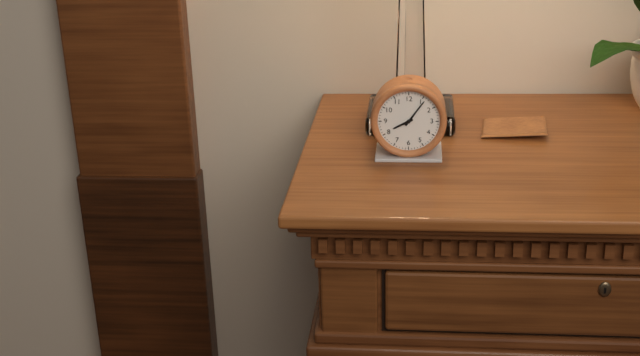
8:06
